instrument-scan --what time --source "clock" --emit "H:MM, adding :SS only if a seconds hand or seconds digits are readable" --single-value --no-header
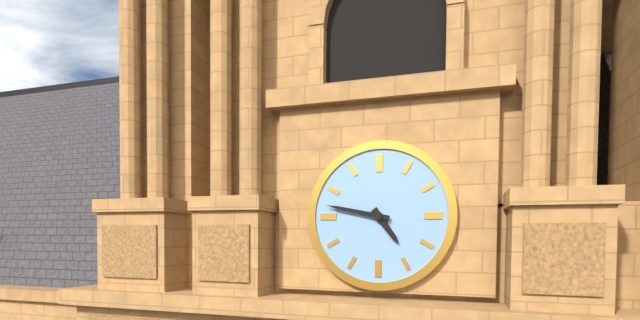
4:47
